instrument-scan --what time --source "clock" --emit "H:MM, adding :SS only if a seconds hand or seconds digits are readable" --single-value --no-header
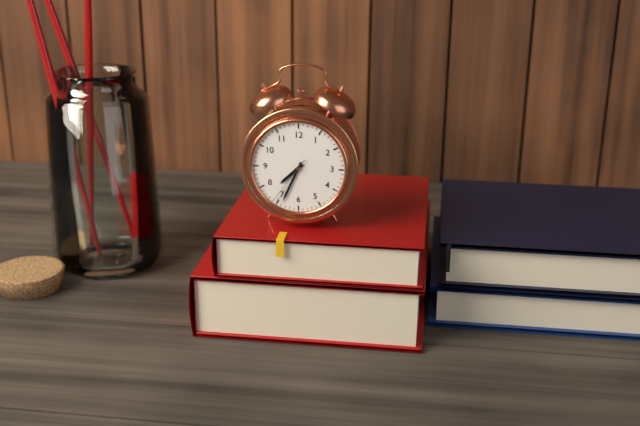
7:34:36
